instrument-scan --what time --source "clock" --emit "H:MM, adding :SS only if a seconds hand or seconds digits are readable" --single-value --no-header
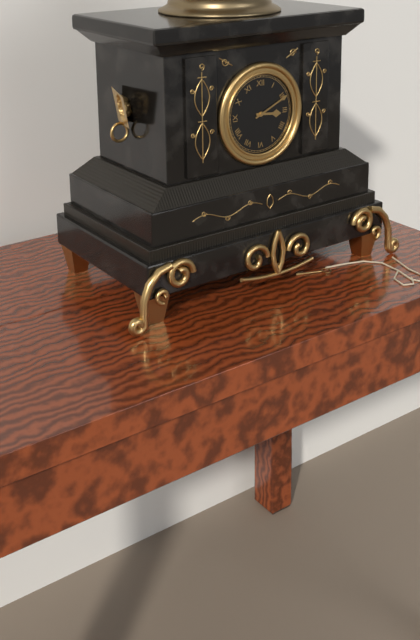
3:11
